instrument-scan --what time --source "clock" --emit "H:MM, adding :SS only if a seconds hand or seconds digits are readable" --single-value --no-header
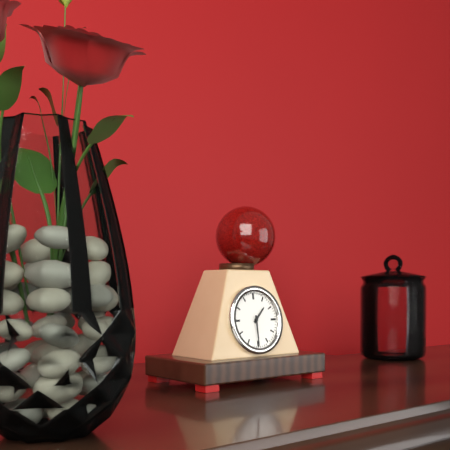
1:30
